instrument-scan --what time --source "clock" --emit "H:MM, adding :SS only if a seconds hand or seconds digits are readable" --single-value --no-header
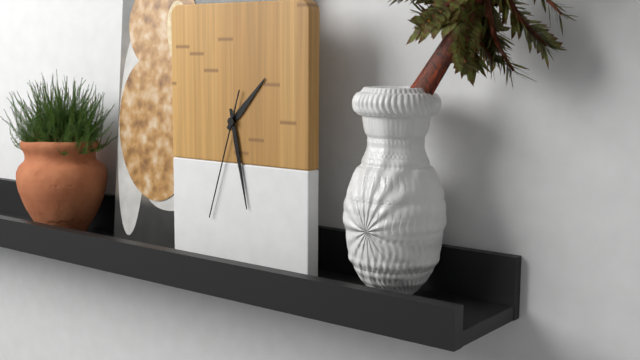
1:28:33
